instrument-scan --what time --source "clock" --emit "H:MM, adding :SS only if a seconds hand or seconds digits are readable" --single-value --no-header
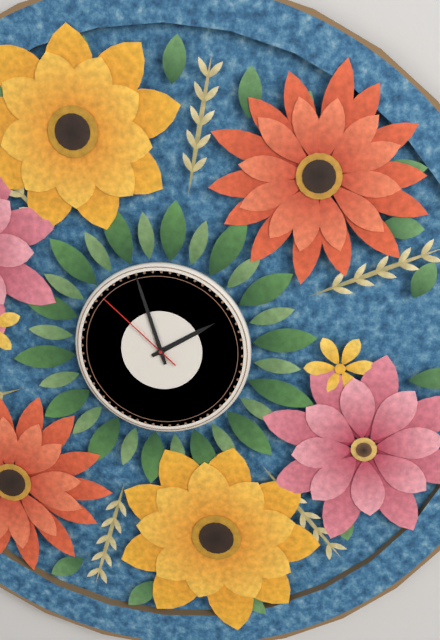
1:57:52
